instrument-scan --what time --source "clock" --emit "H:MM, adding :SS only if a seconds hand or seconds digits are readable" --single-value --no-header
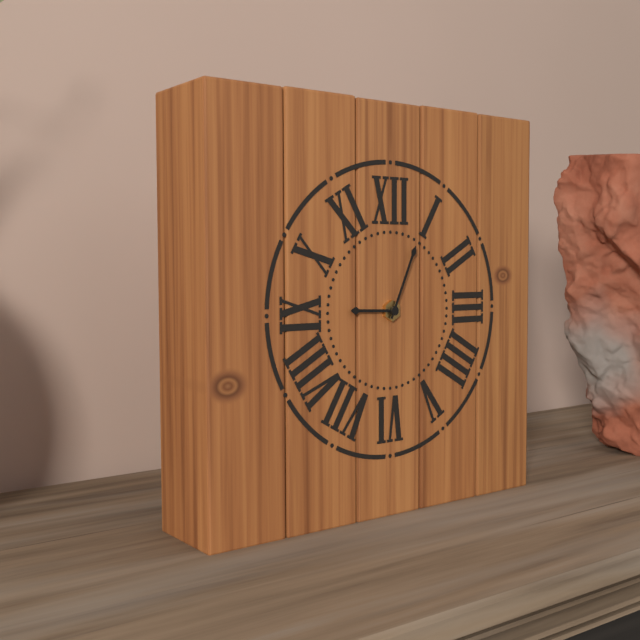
9:04
